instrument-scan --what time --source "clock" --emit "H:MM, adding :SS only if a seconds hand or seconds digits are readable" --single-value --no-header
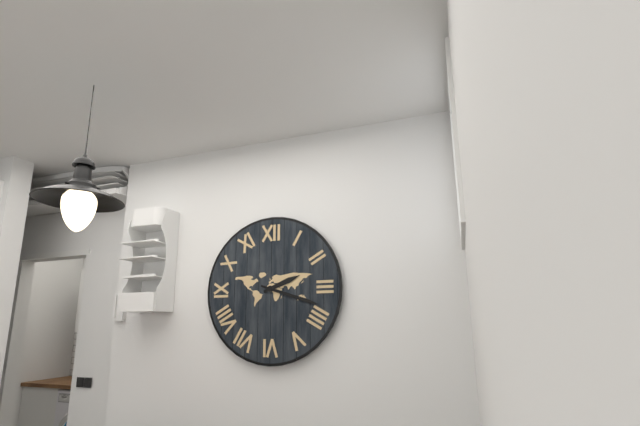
2:18
